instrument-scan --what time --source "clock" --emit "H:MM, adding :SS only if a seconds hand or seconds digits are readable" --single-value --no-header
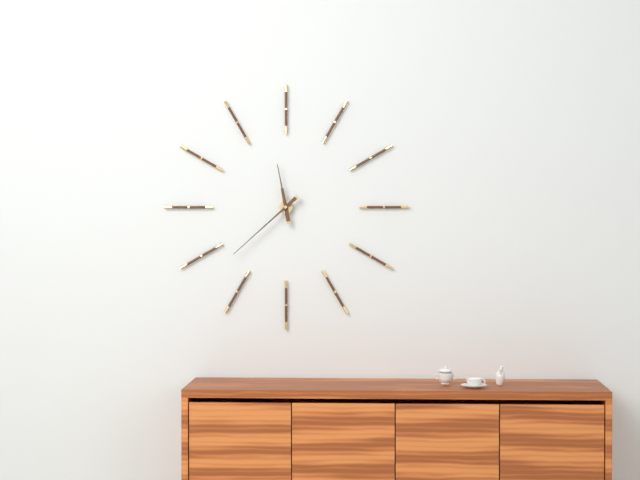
11:38
